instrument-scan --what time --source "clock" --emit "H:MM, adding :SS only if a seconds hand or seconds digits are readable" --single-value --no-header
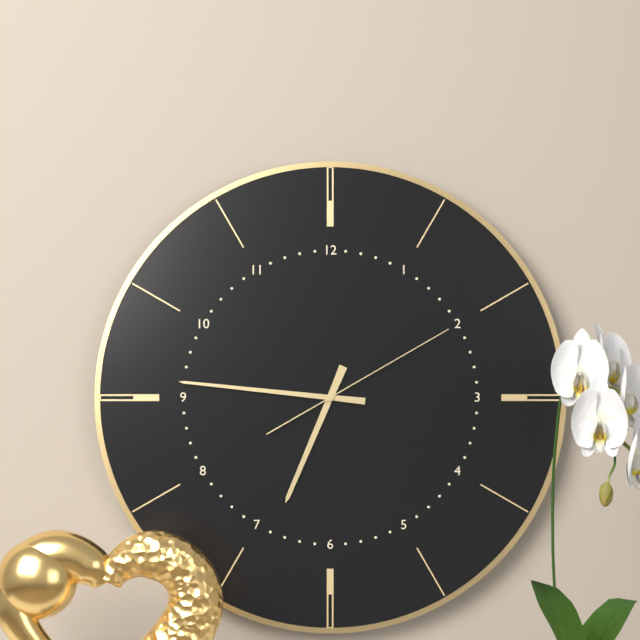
6:46:10
